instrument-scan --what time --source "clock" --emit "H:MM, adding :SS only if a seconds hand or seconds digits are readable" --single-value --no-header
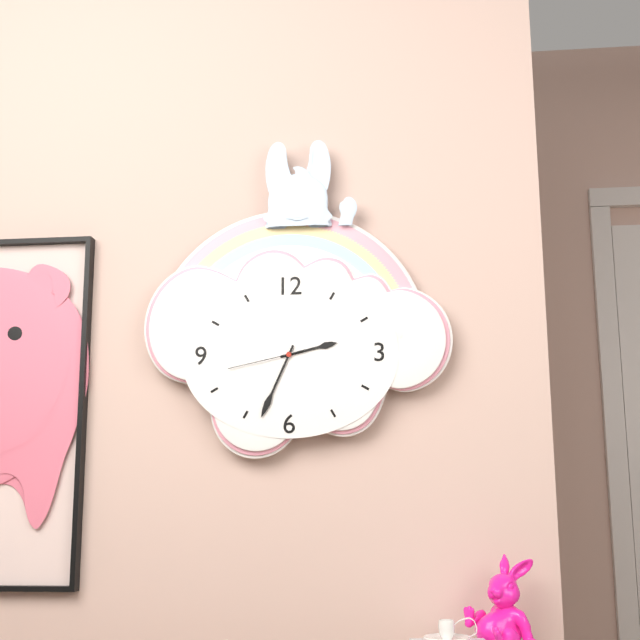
2:34:43
